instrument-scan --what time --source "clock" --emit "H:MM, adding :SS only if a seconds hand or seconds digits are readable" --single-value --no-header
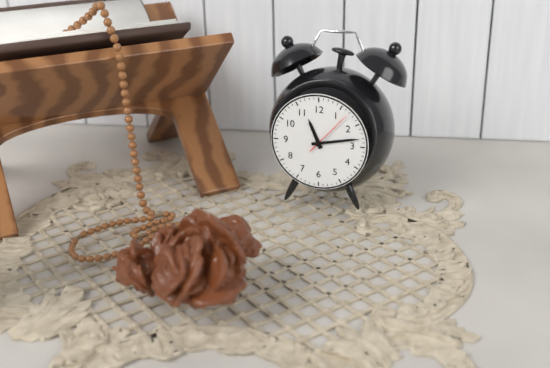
11:13:07
